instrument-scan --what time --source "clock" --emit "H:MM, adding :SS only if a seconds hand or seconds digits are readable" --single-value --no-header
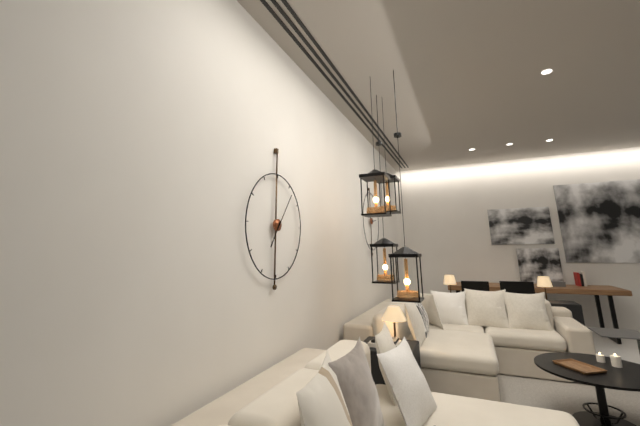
7:06
